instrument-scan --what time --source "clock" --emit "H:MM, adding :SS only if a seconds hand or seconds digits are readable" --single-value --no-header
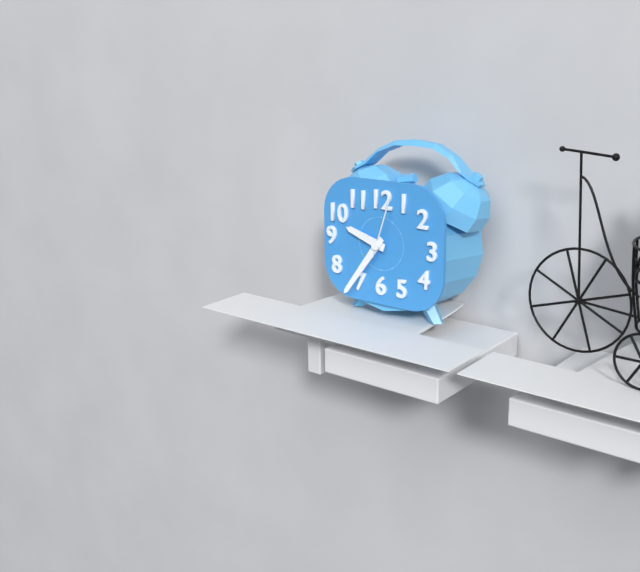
9:36:03
